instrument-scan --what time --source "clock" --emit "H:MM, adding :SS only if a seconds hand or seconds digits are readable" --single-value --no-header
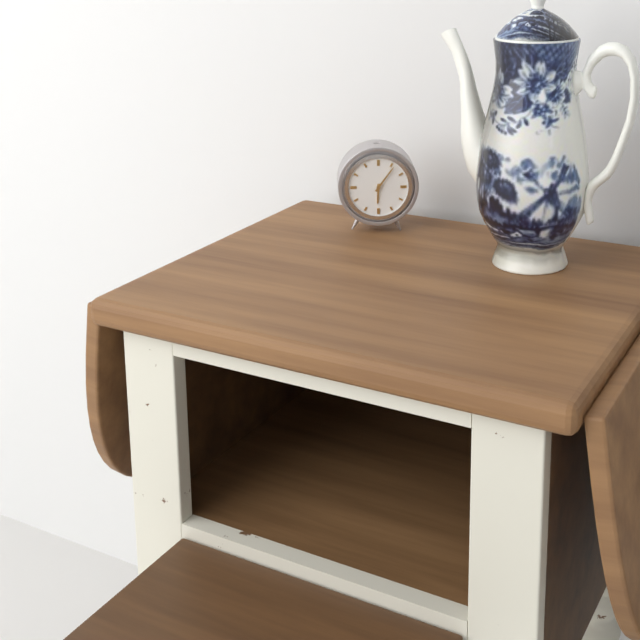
6:06
